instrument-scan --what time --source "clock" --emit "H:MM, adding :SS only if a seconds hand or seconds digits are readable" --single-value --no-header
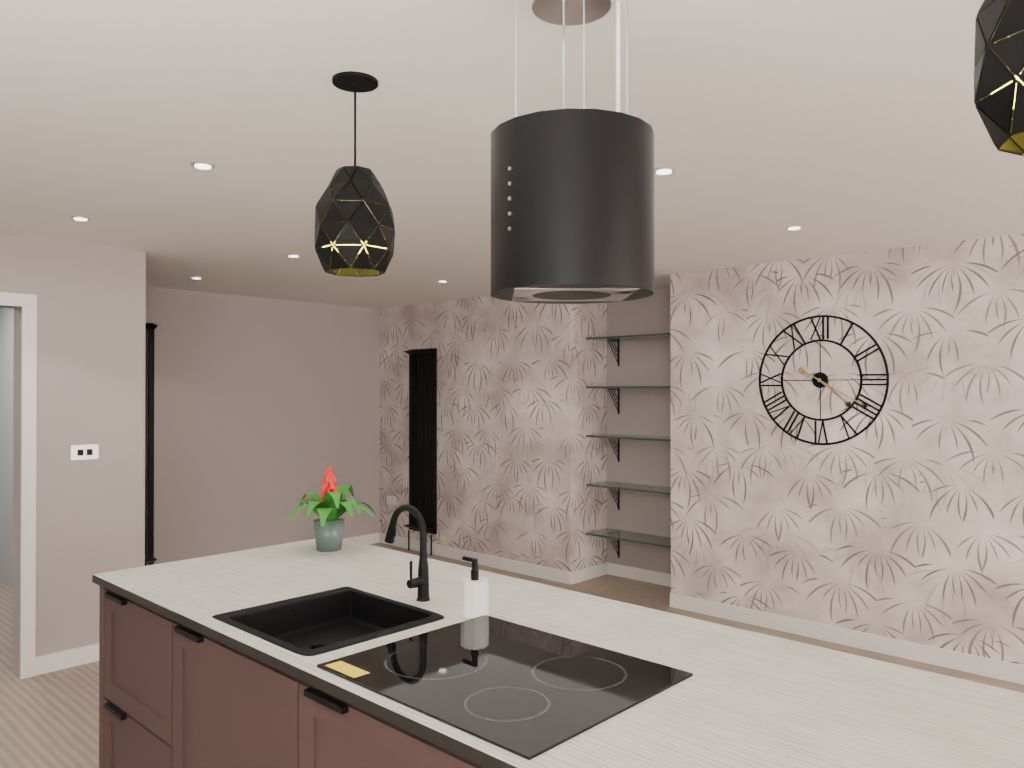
4:20
